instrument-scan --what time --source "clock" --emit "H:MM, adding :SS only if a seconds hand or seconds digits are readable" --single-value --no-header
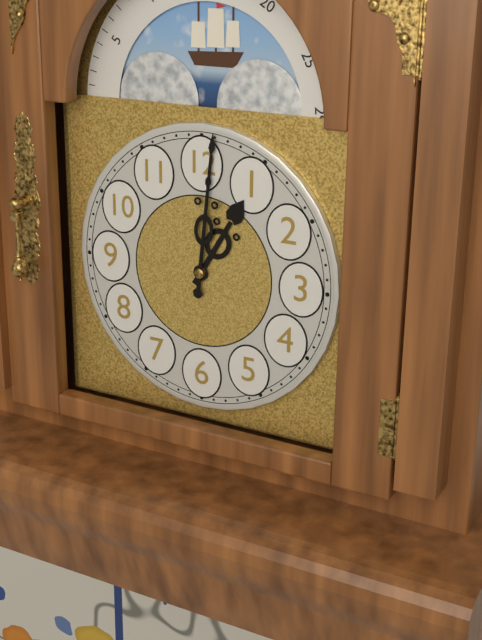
1:01
